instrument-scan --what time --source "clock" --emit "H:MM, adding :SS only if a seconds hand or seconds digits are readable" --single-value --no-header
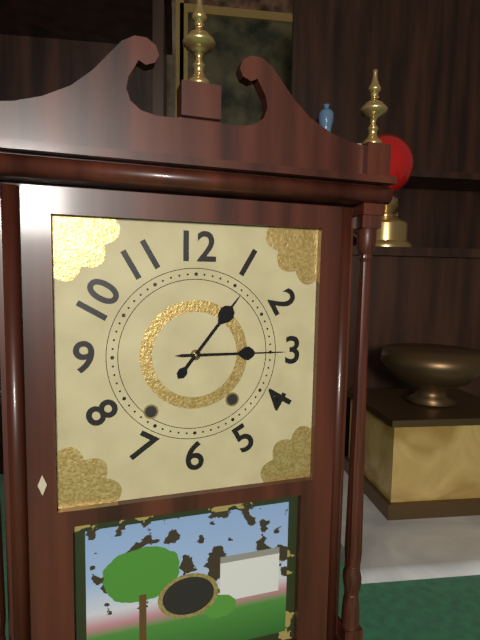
1:15
